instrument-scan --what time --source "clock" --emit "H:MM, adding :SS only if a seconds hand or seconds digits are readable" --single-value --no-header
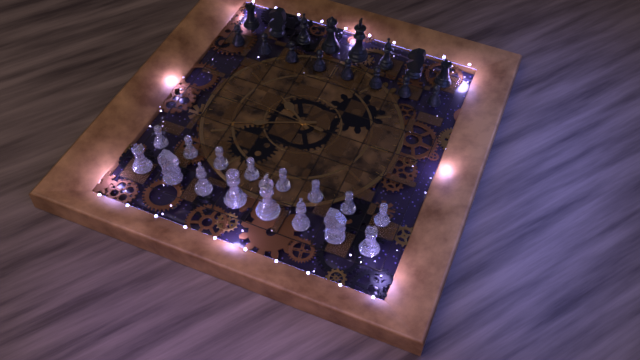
4:11:16
